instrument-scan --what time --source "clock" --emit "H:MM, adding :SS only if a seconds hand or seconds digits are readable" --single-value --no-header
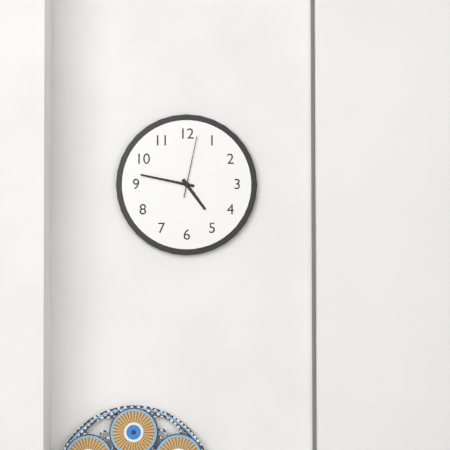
4:47:02
